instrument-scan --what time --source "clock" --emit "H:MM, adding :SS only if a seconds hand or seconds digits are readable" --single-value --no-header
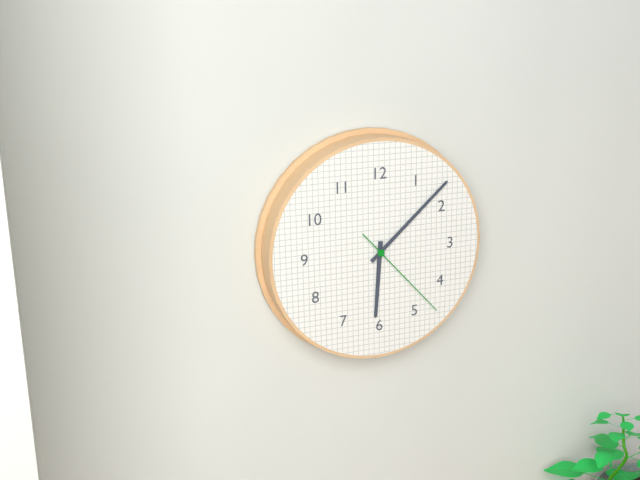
6:08:23
